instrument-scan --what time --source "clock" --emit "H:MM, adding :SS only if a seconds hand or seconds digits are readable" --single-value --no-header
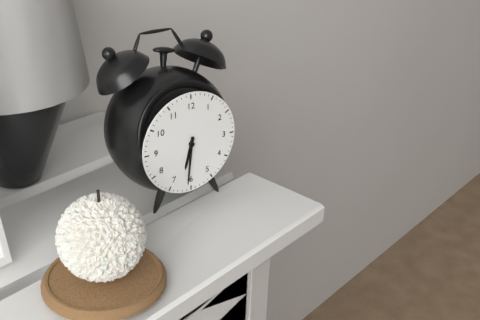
6:31
